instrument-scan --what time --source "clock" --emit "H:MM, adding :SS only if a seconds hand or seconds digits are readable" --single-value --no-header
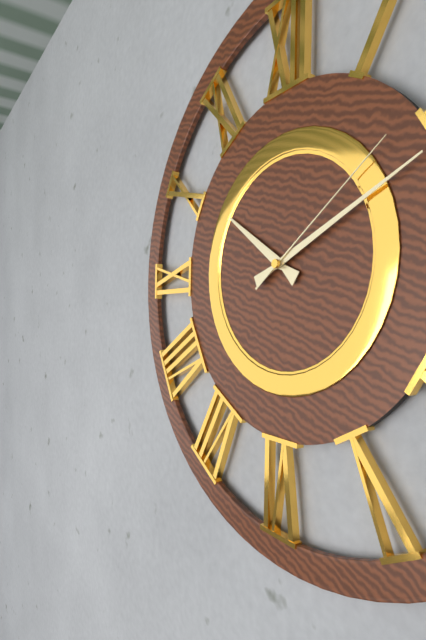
10:11:09
